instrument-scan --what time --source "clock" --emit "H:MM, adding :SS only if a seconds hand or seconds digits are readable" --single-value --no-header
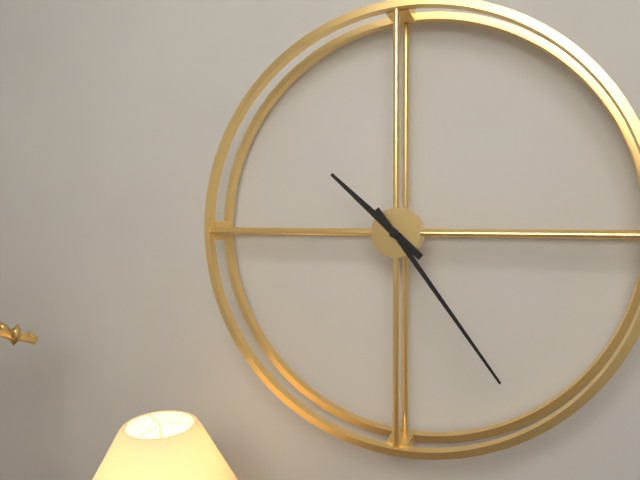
10:24
